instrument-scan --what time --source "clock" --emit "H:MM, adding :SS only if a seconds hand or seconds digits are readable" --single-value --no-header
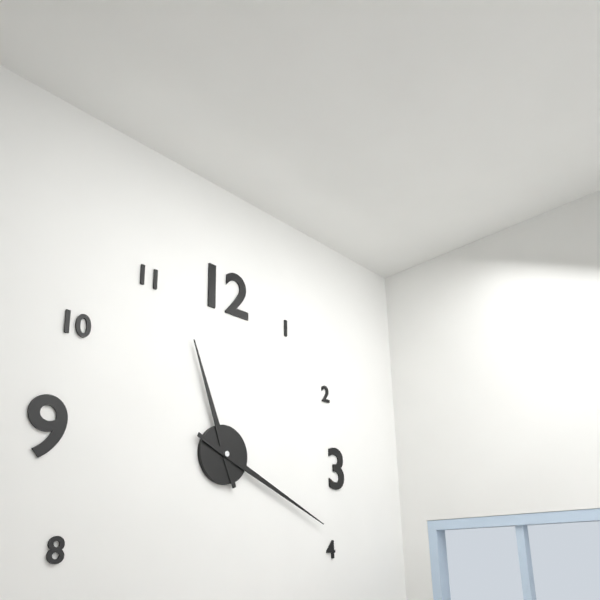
11:19
